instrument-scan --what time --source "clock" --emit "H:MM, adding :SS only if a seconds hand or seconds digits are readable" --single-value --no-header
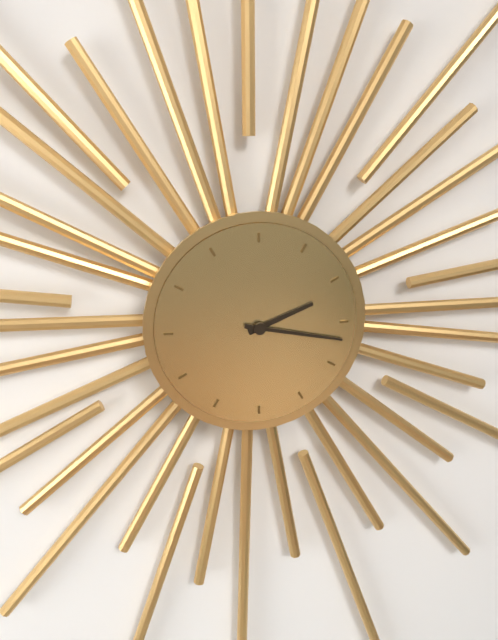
2:17
